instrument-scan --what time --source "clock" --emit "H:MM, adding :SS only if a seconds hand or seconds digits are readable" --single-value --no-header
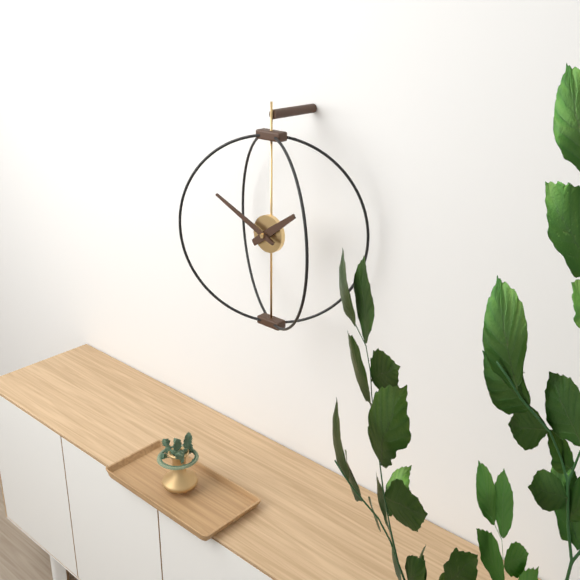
1:49
